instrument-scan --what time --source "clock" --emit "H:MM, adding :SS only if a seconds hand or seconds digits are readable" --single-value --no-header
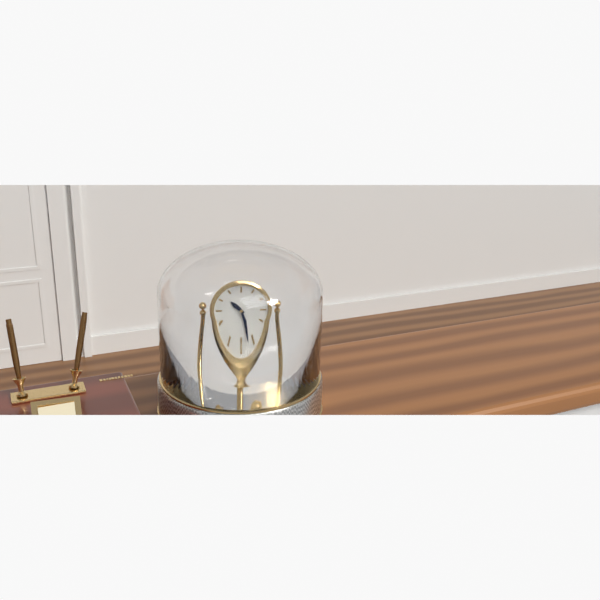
10:27
